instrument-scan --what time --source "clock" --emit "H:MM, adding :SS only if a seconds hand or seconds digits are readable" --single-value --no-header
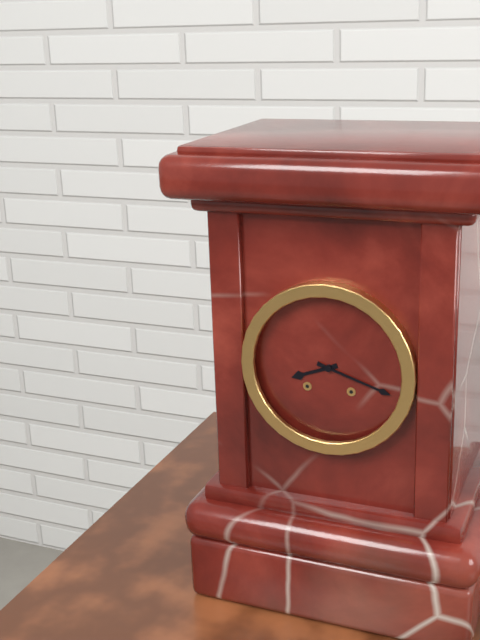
8:18
